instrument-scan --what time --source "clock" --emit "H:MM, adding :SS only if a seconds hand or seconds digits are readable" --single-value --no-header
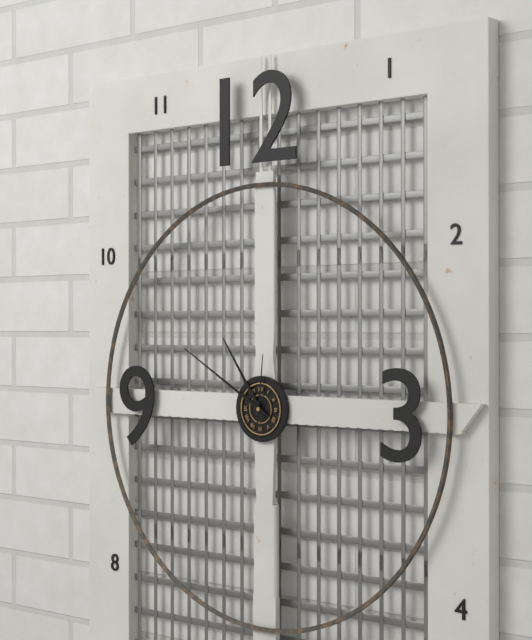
10:50:01
